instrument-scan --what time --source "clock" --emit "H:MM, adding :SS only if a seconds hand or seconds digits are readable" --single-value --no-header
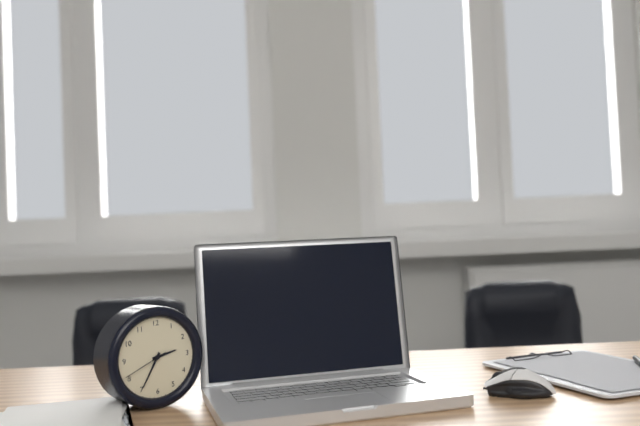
2:35
